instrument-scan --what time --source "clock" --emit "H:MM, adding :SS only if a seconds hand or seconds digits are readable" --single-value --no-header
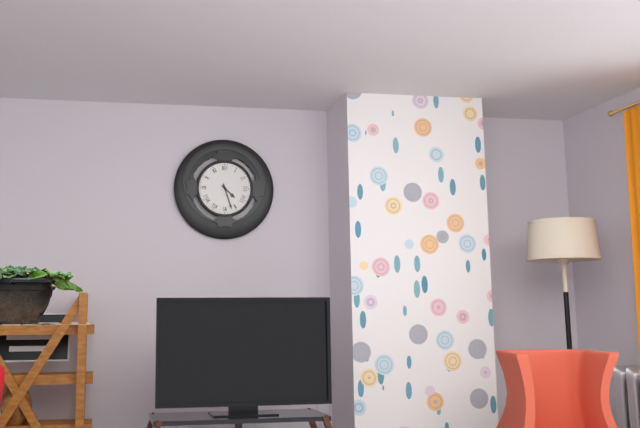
4:27
